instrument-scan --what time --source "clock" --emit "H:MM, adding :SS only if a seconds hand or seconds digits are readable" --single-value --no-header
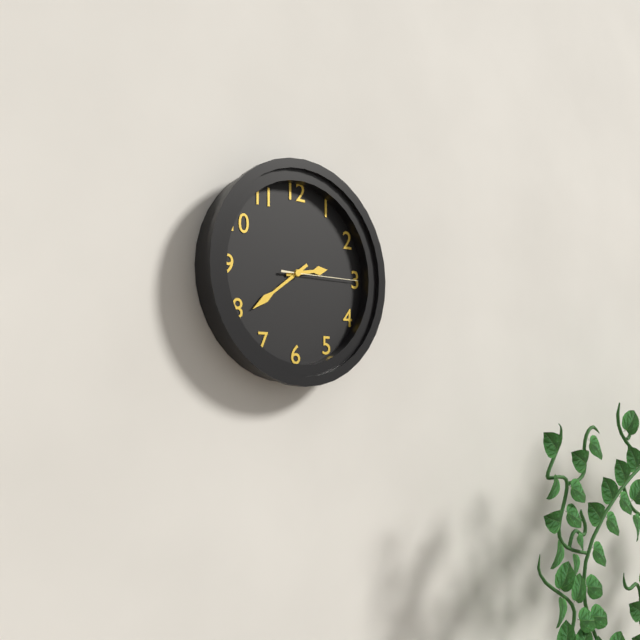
2:39:15
